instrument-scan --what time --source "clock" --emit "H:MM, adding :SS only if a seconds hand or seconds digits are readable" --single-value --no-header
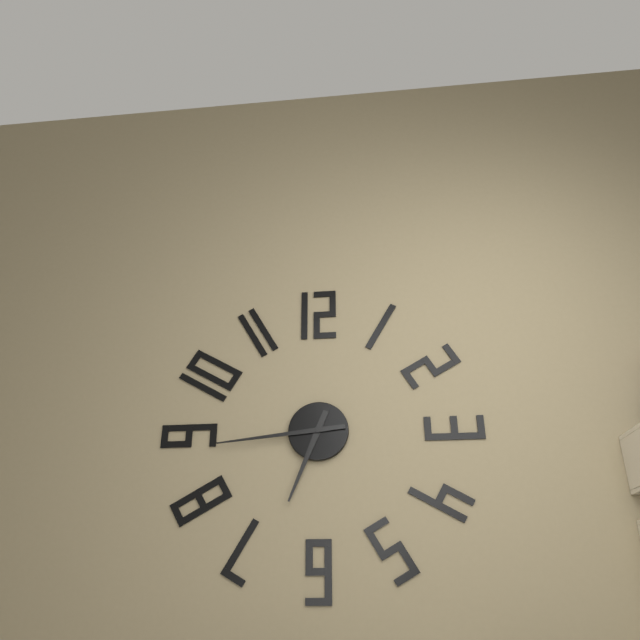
6:44
